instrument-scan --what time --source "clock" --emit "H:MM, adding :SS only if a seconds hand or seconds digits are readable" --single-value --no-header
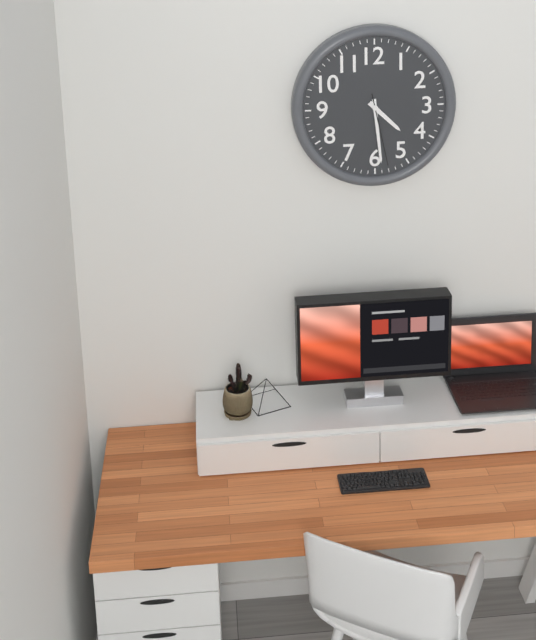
4:29:28
